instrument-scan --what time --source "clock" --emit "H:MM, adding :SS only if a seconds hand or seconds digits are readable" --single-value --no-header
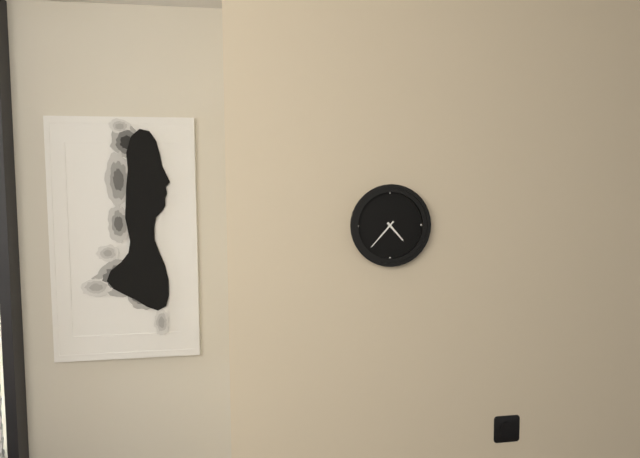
4:37
